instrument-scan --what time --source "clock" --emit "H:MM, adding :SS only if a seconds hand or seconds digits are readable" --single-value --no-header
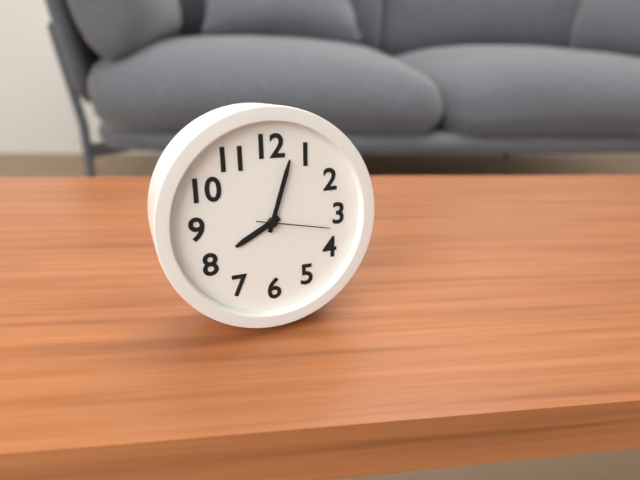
8:03:17
